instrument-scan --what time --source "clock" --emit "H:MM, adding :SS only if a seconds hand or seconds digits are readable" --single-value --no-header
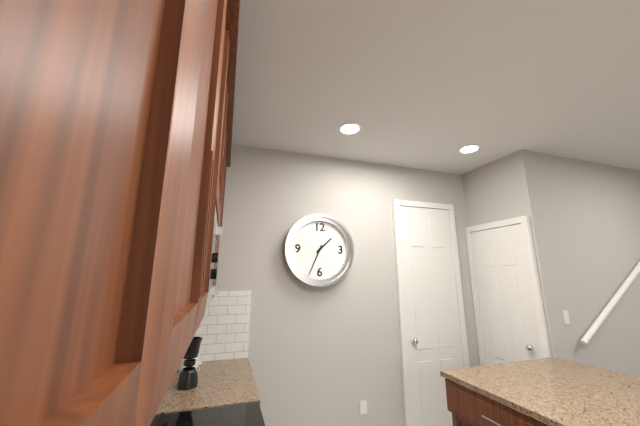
1:34
